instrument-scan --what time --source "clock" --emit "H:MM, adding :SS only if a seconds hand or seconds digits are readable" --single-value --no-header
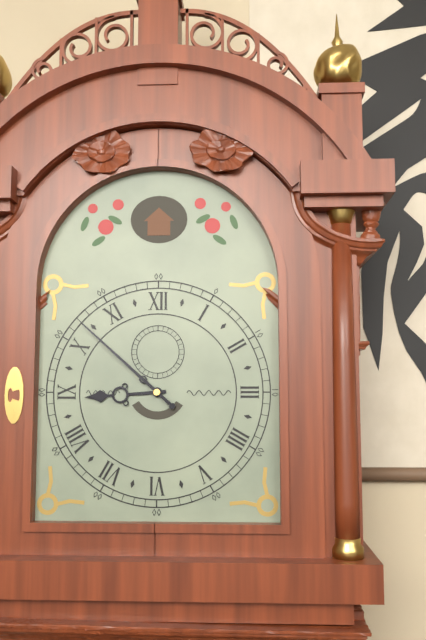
8:52
